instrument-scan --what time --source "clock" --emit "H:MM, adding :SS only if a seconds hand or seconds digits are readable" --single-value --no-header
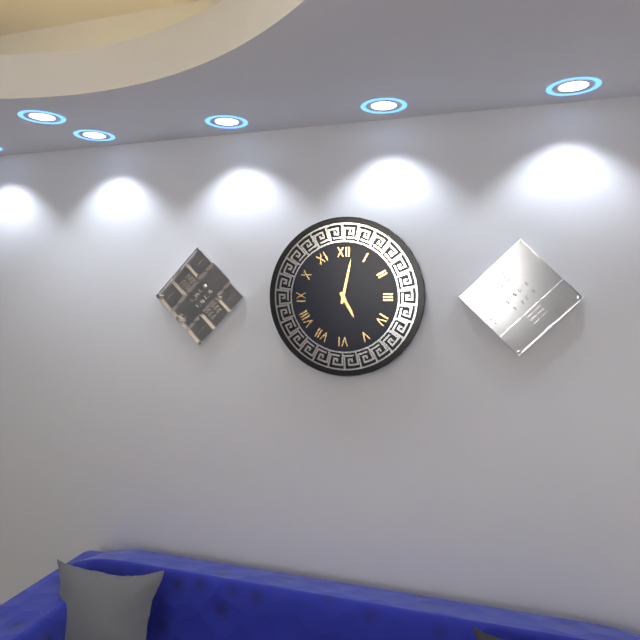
5:02
